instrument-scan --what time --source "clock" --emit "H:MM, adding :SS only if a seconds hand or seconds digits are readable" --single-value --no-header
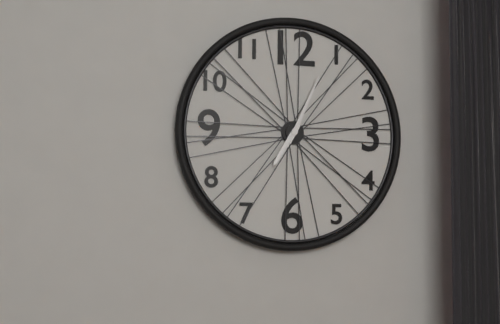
7:04
